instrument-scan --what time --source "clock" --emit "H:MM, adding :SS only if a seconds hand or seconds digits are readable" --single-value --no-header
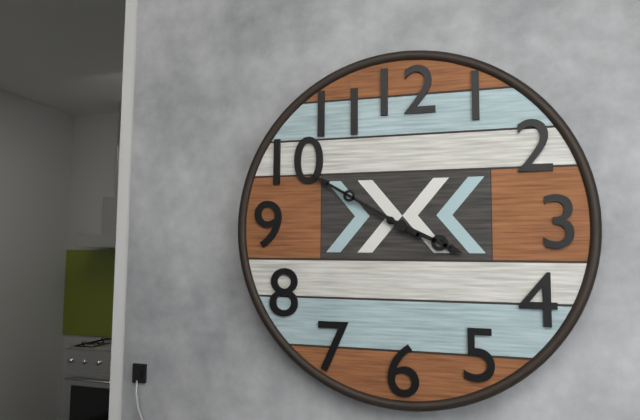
3:50
